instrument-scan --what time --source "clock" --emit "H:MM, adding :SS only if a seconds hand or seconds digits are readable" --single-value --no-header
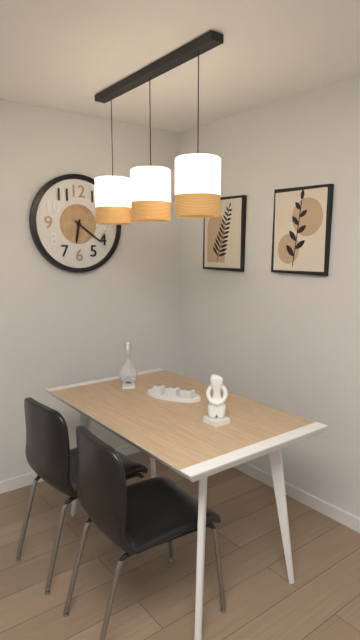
6:21
